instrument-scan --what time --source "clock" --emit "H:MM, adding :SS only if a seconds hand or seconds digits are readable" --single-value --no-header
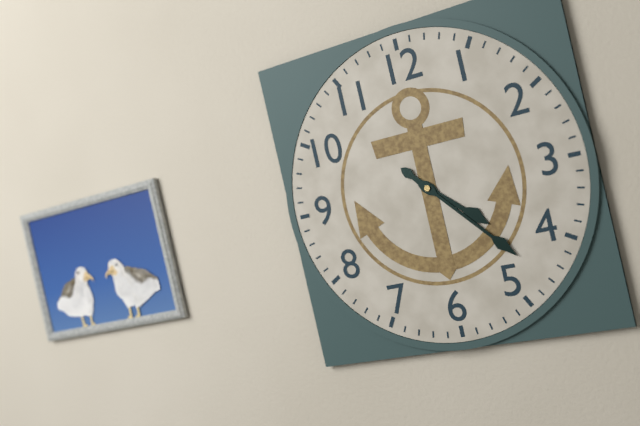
4:23
